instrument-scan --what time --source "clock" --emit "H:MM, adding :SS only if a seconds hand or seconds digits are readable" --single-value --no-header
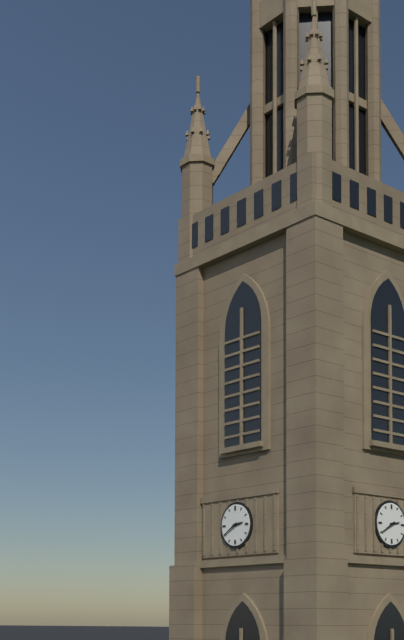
2:40
